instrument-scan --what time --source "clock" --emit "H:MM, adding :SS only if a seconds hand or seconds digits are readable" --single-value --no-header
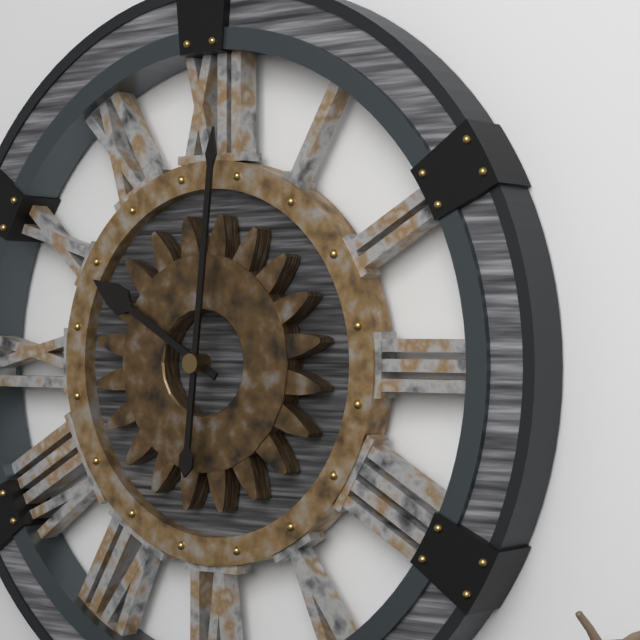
10:01
